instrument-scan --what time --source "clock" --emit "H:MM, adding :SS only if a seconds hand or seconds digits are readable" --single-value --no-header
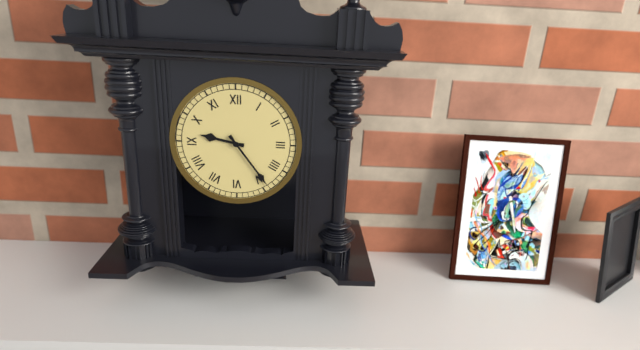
9:24
